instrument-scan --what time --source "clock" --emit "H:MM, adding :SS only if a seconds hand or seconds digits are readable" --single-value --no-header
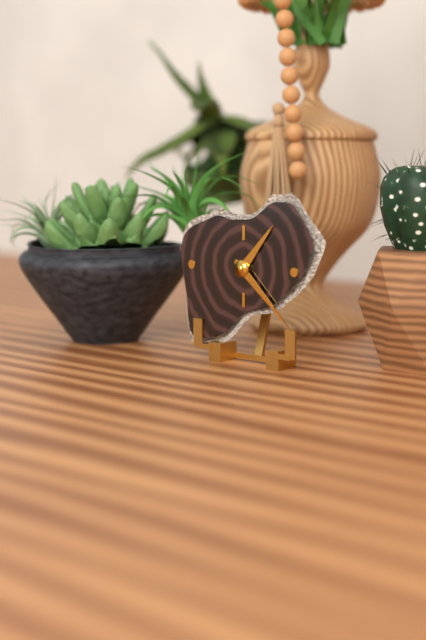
1:22
